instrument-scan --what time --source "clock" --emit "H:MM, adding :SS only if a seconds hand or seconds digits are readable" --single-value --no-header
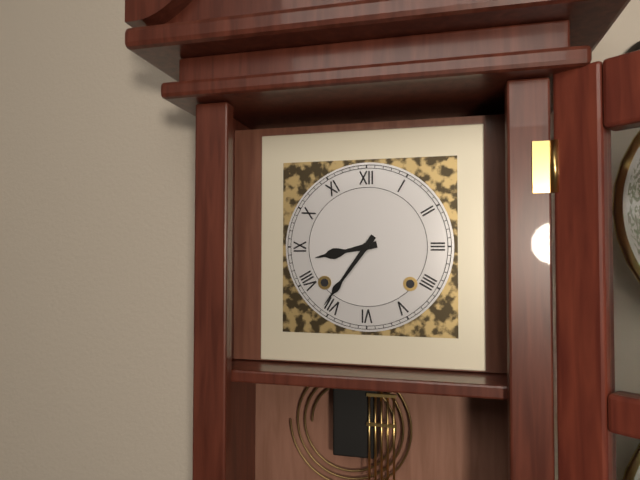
8:36
